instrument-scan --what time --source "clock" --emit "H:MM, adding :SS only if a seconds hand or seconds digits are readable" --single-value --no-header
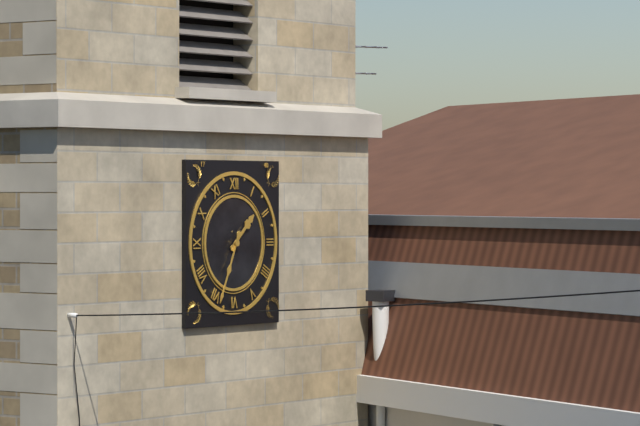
1:34
